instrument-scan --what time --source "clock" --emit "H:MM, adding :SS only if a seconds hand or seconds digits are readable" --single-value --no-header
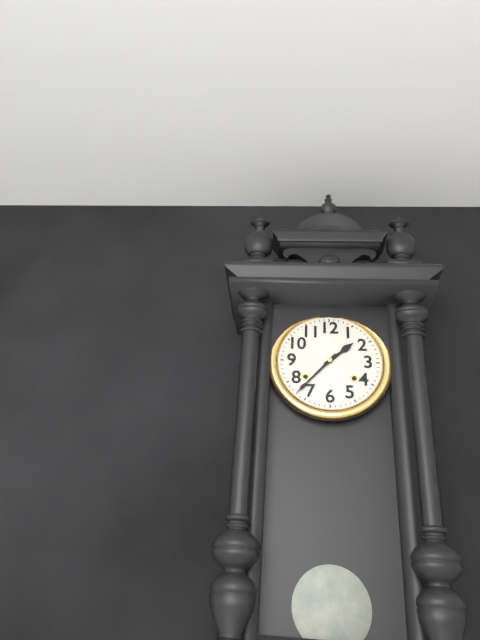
1:37
